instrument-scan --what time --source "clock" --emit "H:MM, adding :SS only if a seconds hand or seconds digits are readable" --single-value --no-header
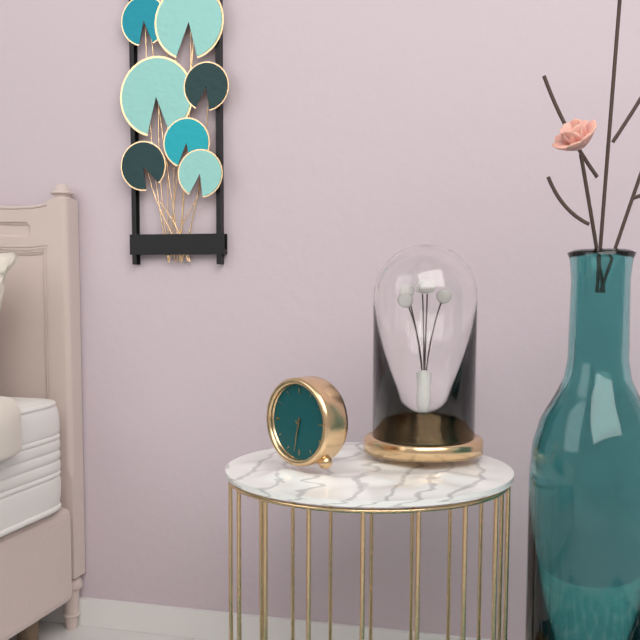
6:32
